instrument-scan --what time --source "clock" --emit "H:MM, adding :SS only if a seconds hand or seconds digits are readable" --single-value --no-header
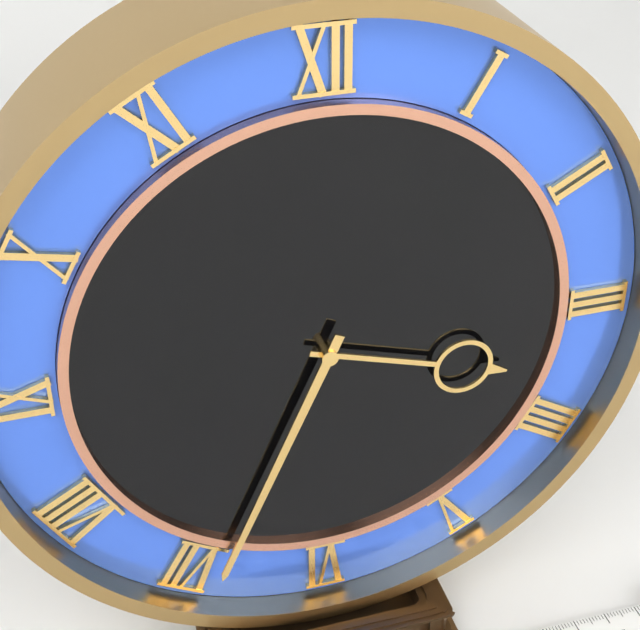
3:34
